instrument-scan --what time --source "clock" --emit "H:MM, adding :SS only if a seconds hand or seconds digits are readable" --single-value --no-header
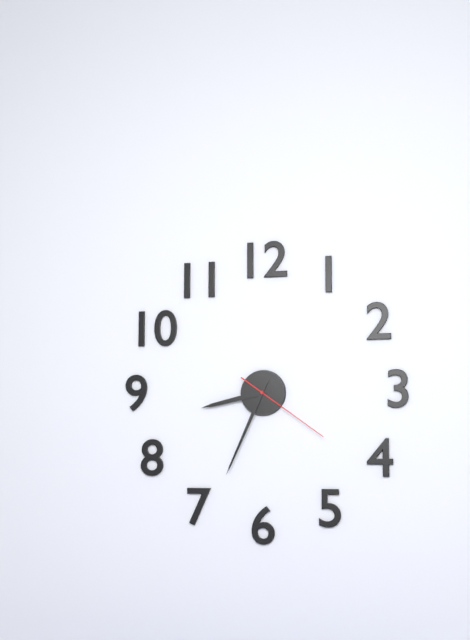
8:34:21
